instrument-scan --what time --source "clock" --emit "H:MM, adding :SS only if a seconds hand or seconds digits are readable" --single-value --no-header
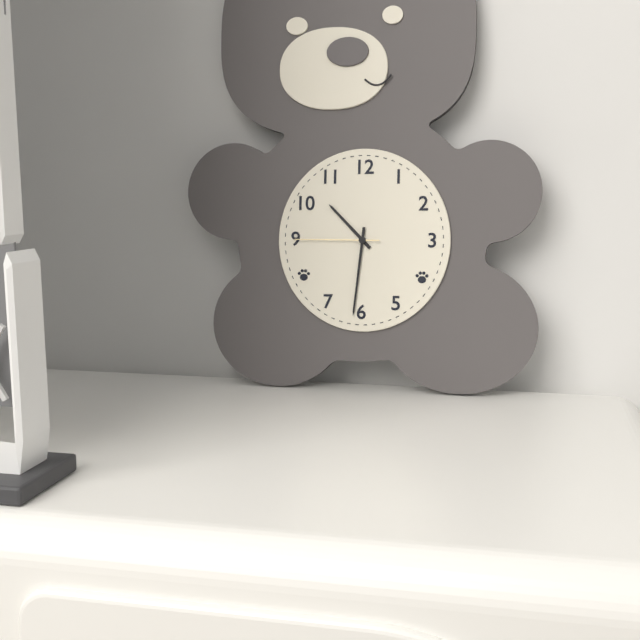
10:31:45
